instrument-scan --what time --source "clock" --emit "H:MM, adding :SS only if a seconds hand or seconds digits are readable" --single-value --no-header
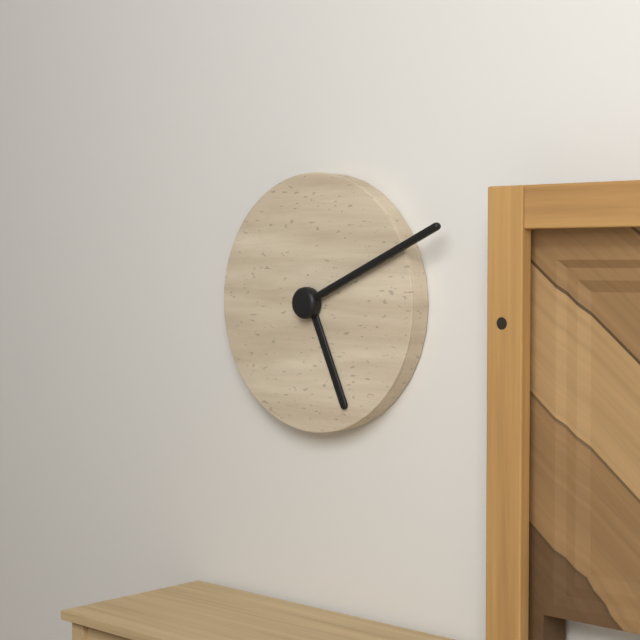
5:11
